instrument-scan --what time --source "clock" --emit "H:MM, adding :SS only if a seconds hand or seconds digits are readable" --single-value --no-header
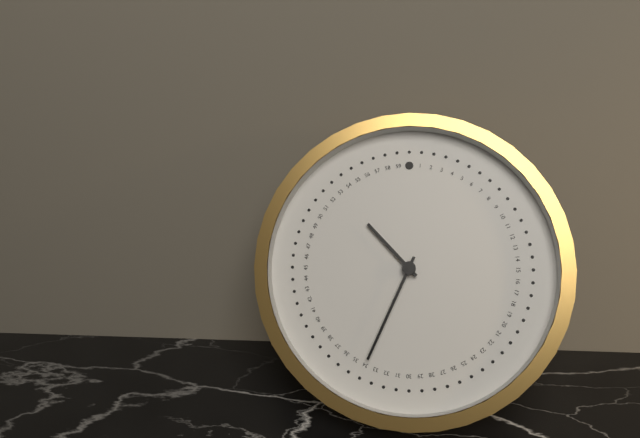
10:34
